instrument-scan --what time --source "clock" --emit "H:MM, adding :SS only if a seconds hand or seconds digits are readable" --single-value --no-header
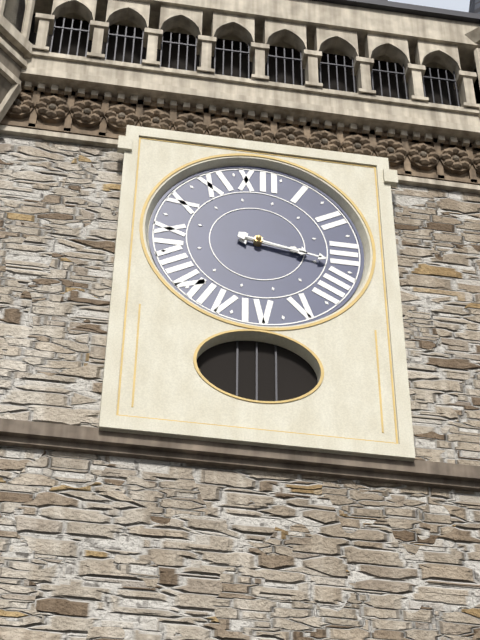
3:17
